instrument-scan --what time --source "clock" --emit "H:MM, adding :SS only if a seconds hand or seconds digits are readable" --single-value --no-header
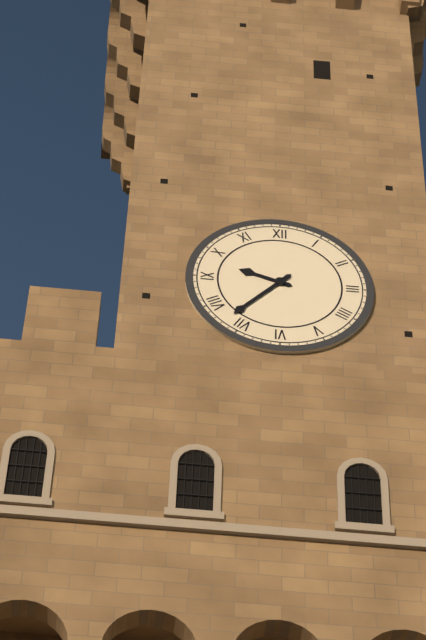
9:37
